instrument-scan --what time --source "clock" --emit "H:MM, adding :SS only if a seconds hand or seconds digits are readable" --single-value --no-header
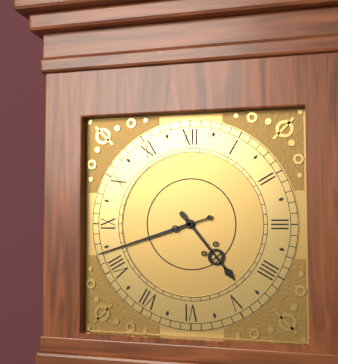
4:42
